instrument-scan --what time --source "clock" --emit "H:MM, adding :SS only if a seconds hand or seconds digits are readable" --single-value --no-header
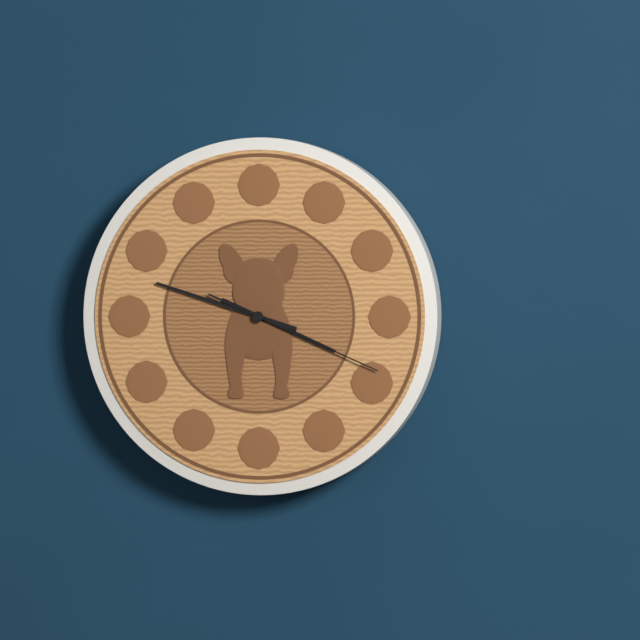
3:48:19
